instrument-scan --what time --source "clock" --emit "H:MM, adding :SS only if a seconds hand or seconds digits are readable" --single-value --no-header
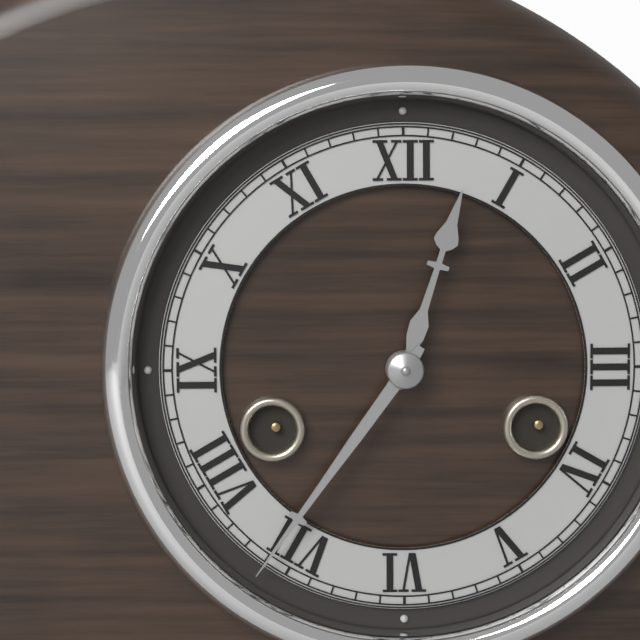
12:36
